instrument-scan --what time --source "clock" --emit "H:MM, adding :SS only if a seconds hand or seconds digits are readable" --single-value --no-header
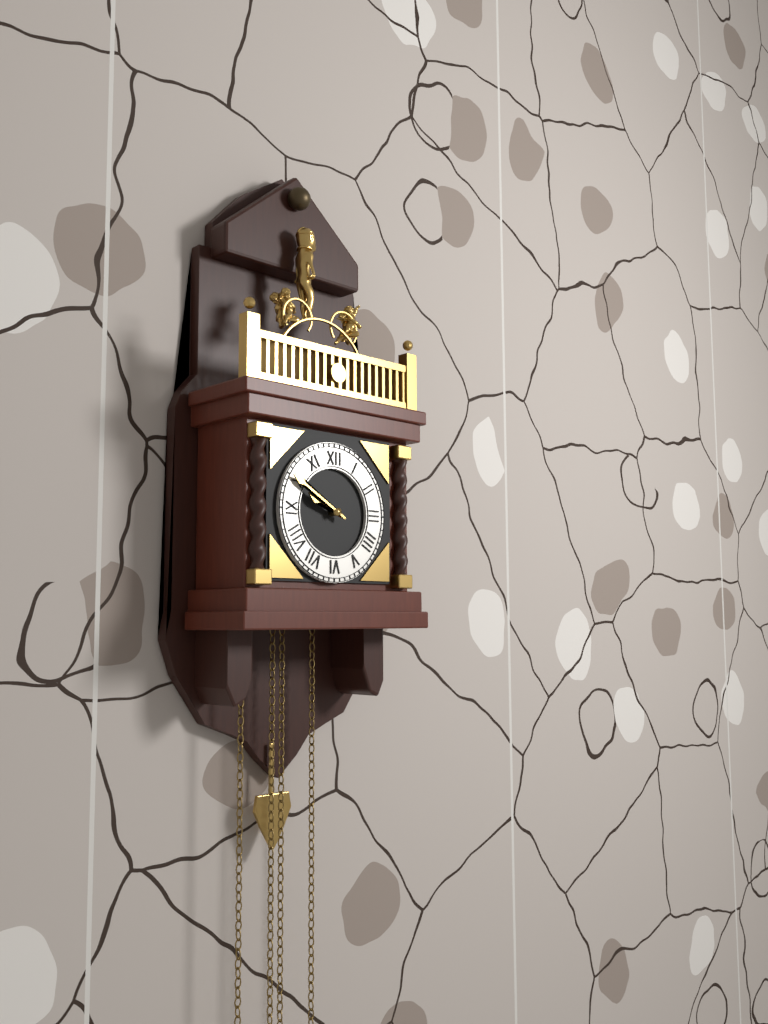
9:50
